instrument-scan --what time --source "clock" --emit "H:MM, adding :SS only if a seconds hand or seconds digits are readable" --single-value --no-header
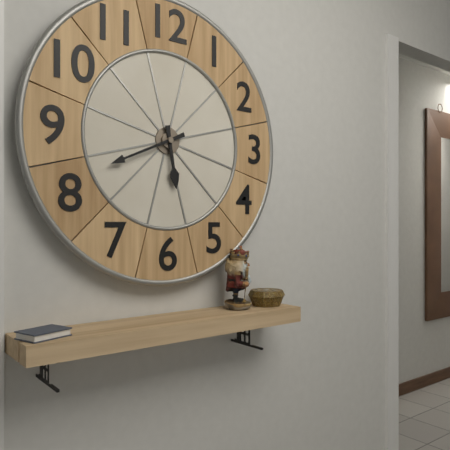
5:41
